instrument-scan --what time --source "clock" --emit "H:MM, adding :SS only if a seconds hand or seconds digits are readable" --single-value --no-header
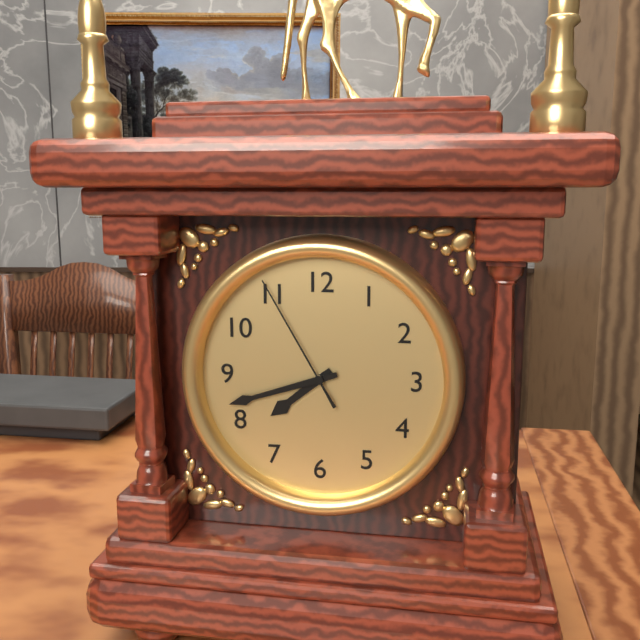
7:42:55
